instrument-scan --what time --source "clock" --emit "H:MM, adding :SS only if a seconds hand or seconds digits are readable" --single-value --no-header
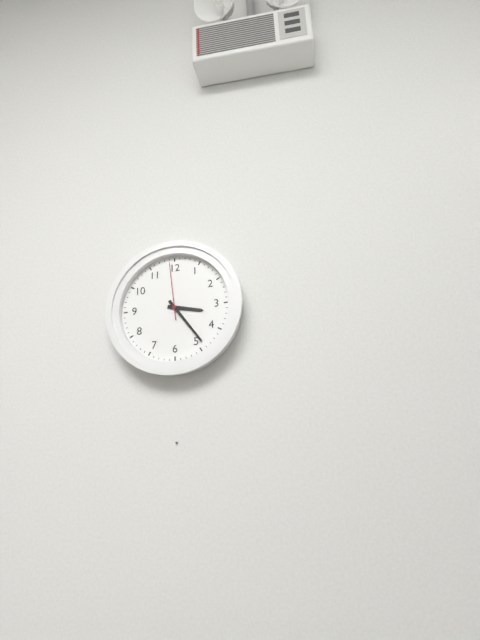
3:24:59
